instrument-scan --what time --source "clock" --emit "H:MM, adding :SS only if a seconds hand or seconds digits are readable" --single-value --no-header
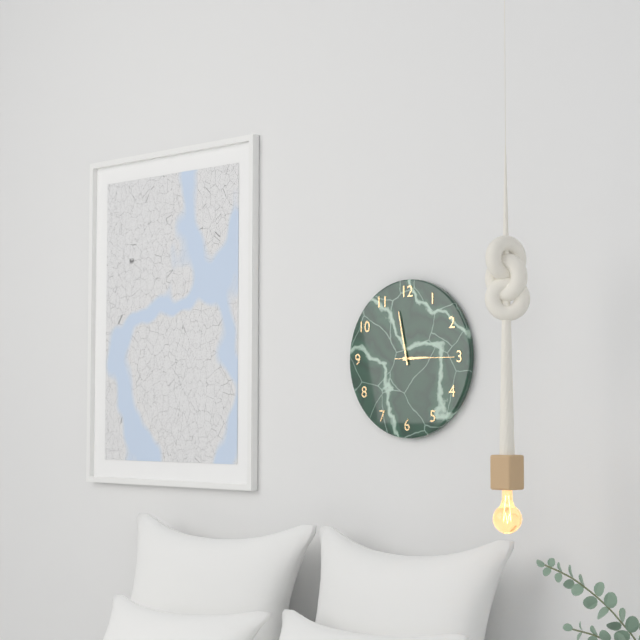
2:58:15
